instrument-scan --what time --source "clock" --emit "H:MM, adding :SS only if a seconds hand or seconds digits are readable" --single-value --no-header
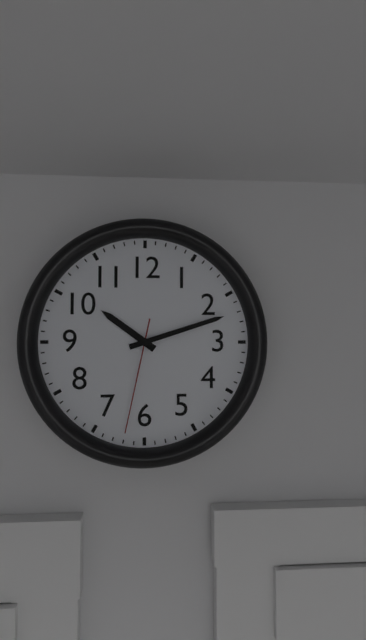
10:12:32
